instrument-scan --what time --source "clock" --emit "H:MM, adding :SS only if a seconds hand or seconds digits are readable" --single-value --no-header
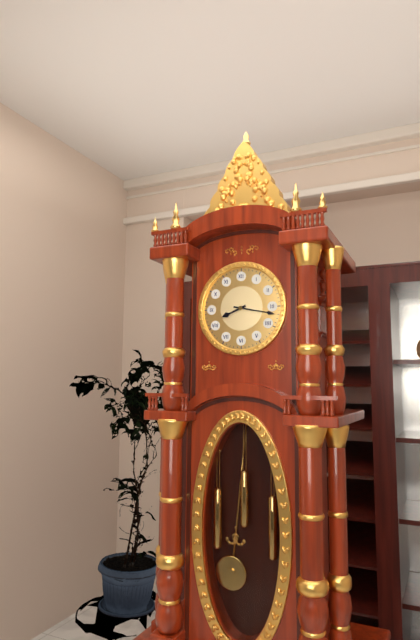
8:17
